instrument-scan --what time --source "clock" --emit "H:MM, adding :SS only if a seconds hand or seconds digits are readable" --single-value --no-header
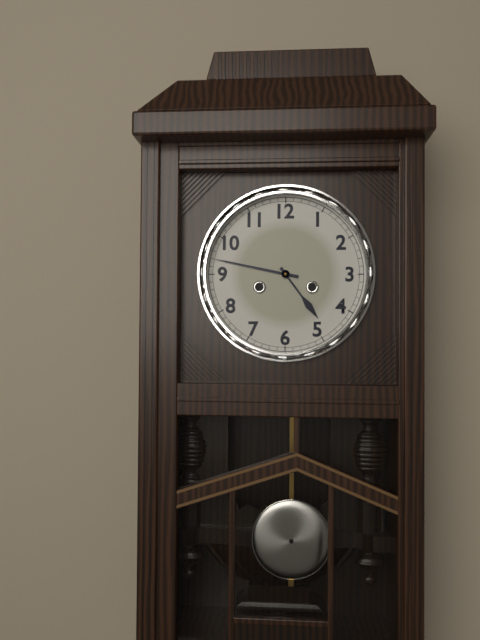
4:47
